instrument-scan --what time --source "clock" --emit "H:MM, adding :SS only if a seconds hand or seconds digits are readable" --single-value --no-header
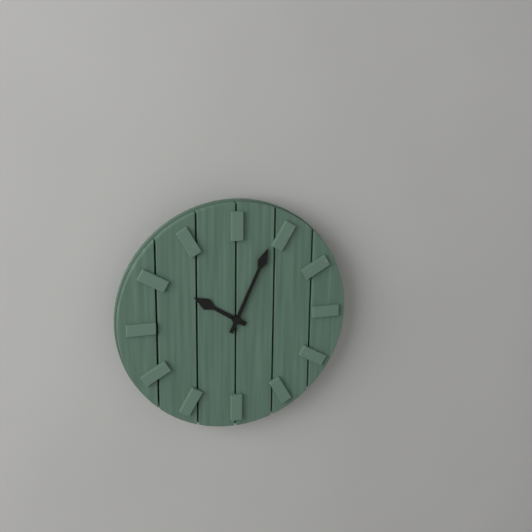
10:04
